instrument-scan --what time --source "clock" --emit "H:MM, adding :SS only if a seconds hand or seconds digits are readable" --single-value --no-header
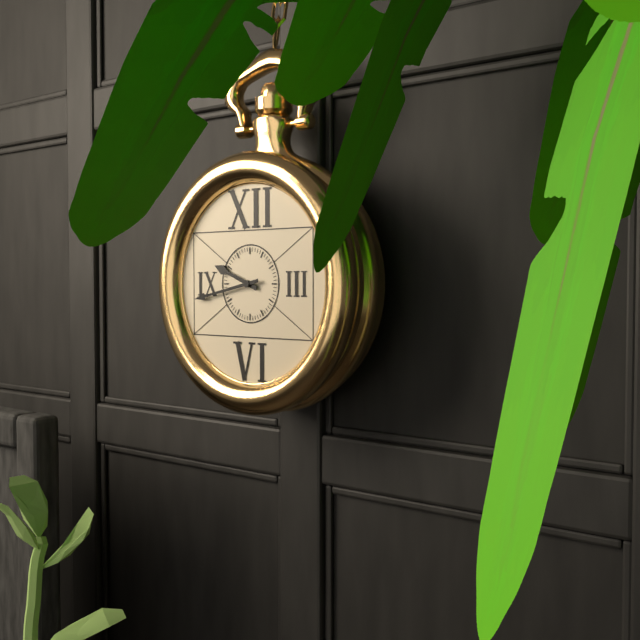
9:43
